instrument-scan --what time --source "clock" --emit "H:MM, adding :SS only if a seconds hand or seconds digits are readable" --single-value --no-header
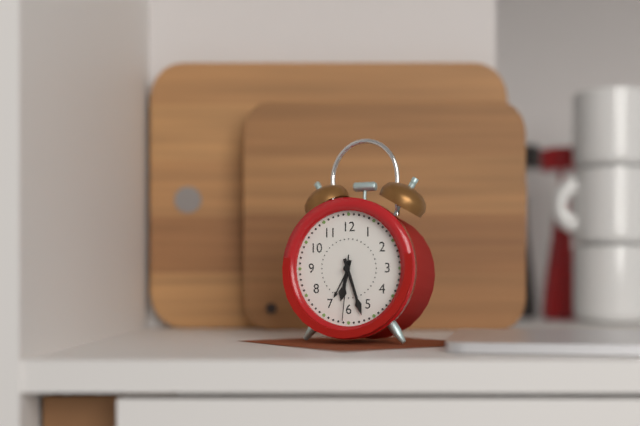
6:27:31
